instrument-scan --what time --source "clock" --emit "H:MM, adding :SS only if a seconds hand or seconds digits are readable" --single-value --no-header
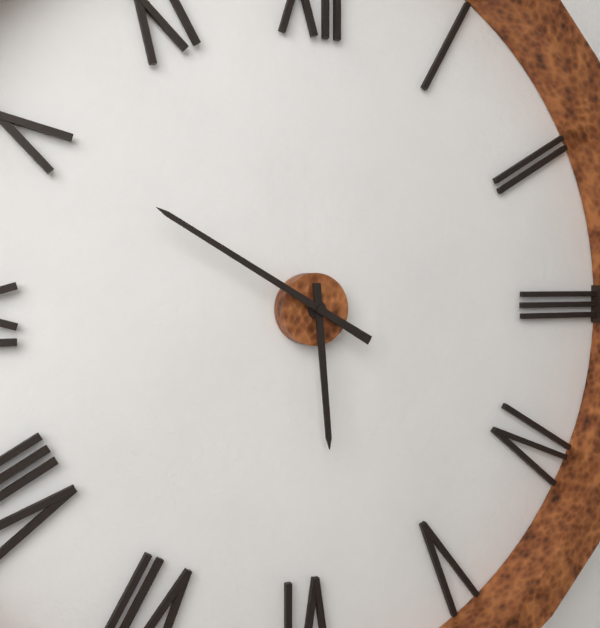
5:50
